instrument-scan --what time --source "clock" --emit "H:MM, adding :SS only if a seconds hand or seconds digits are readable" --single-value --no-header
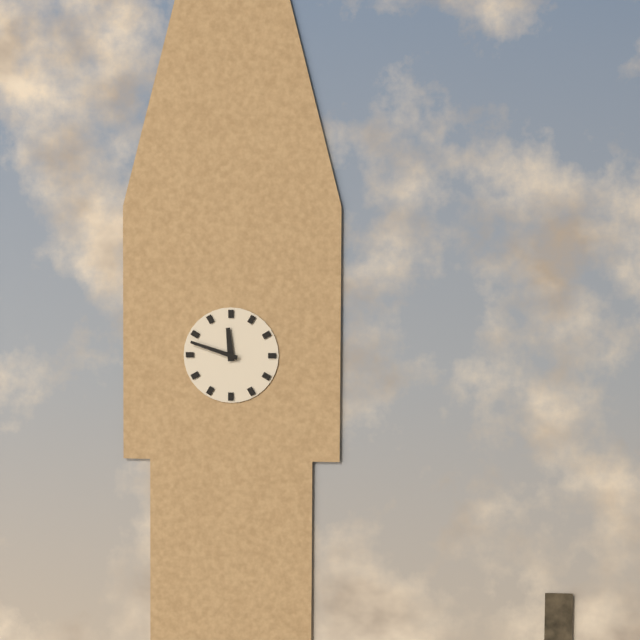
11:48
